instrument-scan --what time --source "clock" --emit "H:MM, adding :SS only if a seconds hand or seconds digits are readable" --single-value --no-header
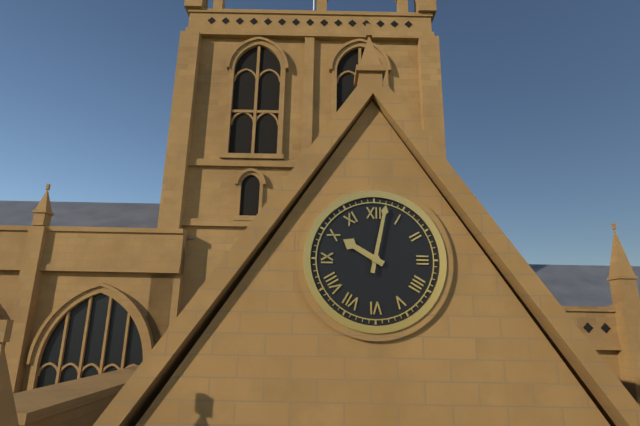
10:02
